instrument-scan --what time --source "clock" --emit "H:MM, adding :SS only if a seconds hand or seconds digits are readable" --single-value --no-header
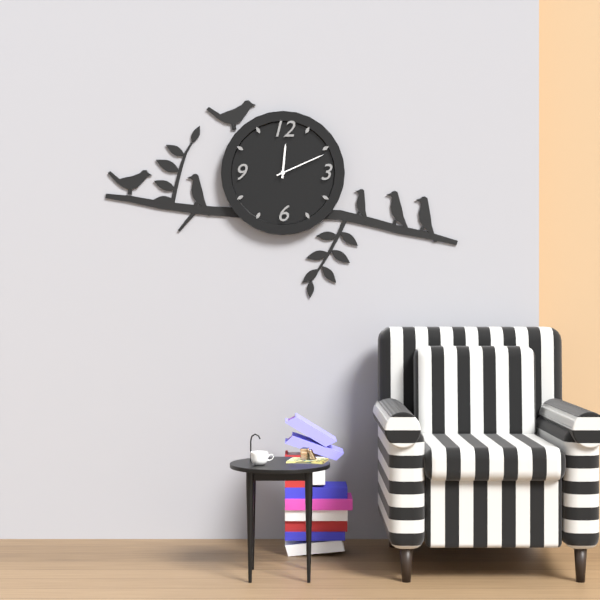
12:11
